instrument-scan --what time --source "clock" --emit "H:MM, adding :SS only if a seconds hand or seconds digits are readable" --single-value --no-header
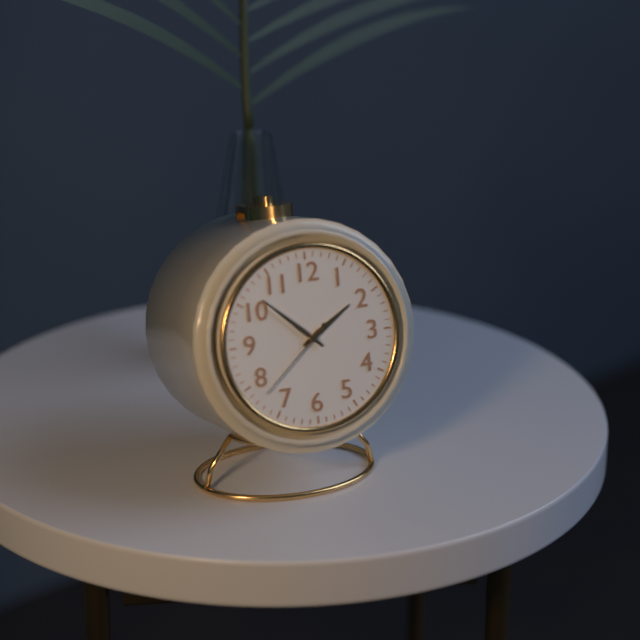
1:52:38
